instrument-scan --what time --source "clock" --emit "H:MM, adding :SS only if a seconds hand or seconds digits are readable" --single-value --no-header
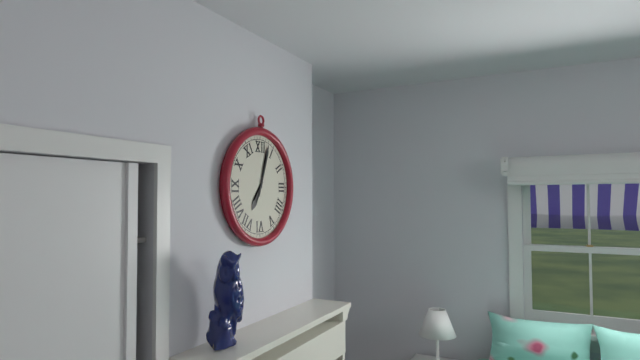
7:03
